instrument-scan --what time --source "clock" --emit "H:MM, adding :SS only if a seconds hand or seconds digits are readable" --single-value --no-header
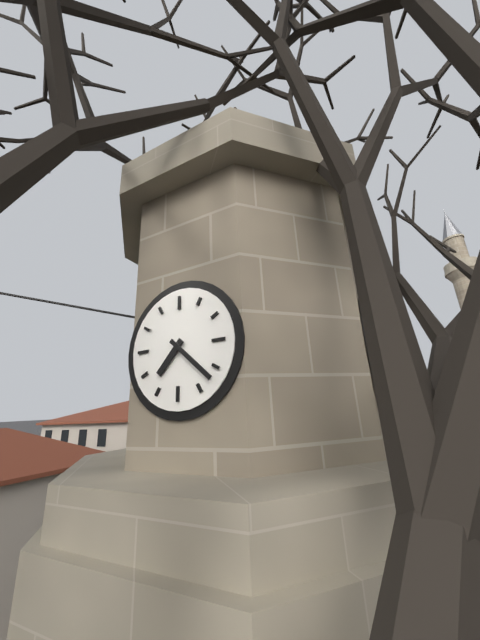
7:22
